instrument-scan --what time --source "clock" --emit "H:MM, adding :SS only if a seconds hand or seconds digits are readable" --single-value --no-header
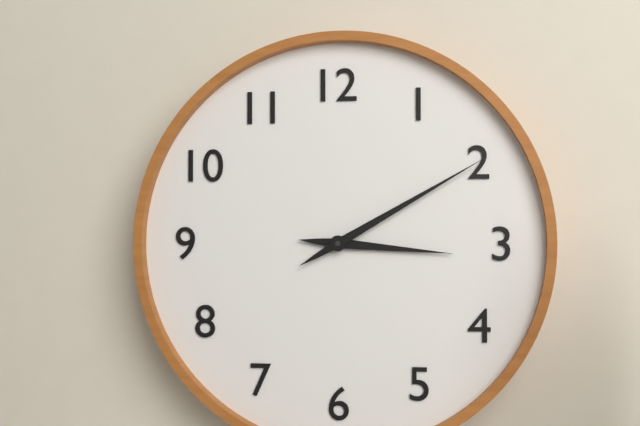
3:10
